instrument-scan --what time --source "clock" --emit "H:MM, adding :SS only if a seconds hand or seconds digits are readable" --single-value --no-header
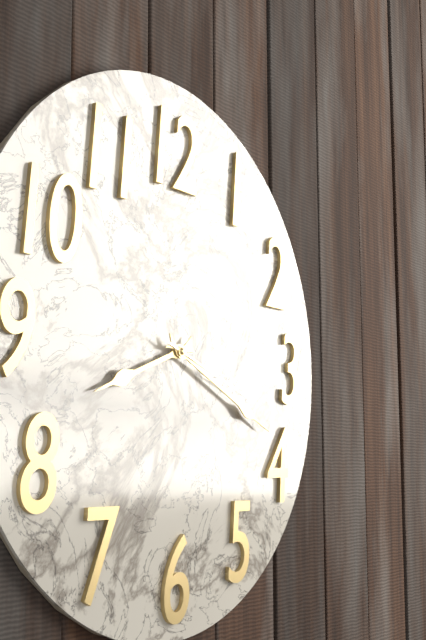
8:19:18
